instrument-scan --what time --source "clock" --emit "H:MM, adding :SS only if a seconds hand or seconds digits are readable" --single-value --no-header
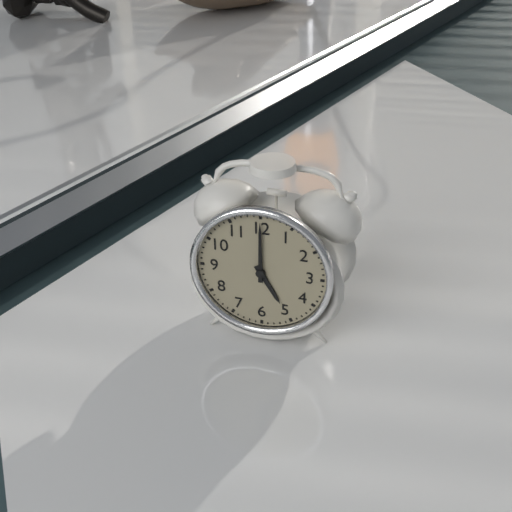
5:00
